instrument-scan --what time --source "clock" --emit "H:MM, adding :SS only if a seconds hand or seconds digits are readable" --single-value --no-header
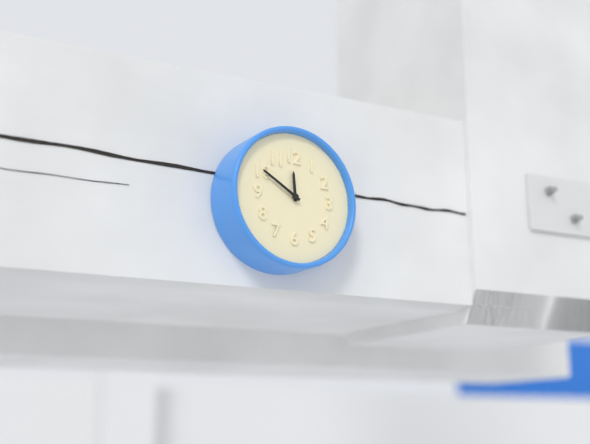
11:50
